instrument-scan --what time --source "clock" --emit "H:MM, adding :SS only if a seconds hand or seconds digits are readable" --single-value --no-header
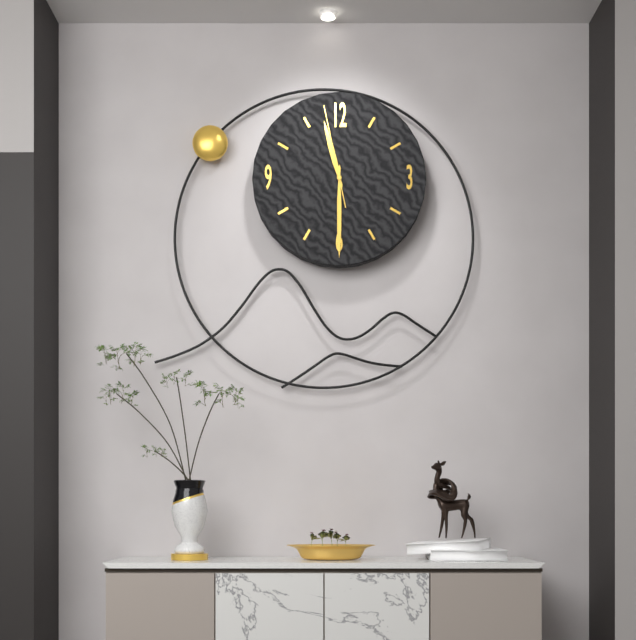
11:30:58
